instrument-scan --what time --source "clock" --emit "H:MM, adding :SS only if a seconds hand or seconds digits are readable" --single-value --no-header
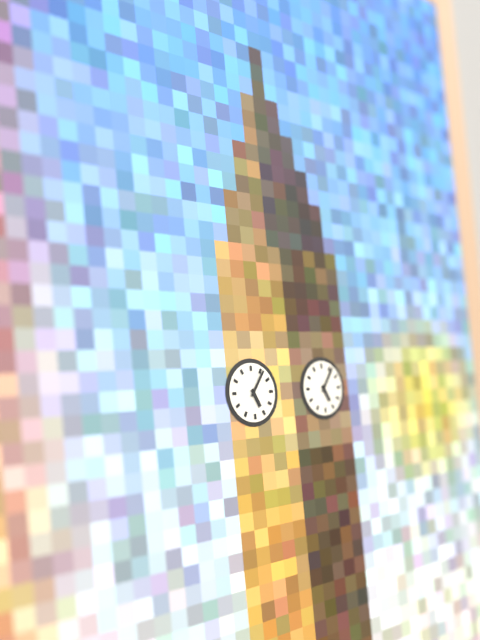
5:06
